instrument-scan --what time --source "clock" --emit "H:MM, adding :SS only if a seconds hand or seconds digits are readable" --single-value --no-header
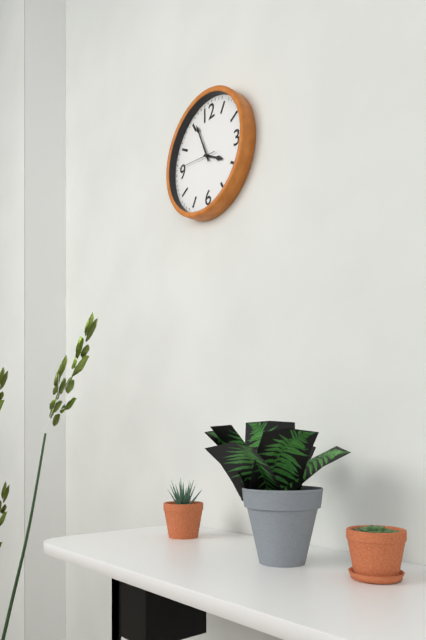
3:56
